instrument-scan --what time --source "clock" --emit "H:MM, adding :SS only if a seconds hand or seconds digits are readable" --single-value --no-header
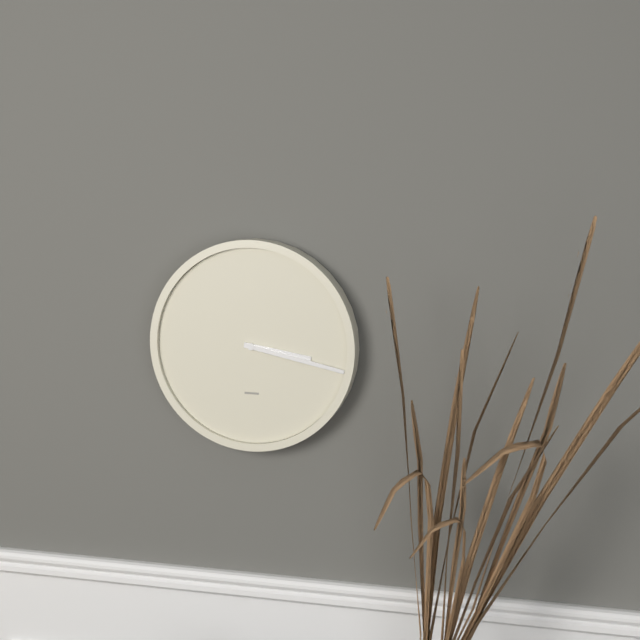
3:17
